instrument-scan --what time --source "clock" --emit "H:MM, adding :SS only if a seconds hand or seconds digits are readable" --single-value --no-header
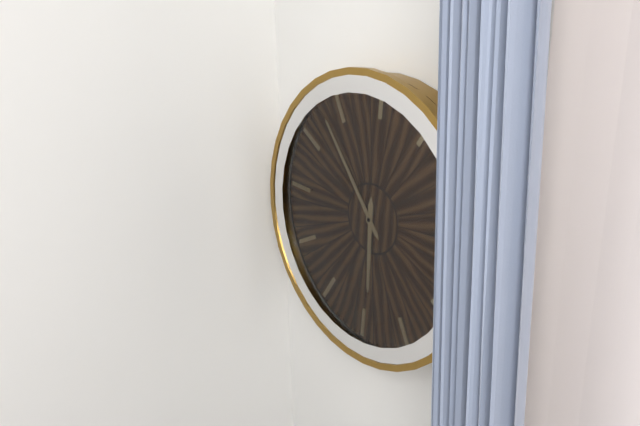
5:53
